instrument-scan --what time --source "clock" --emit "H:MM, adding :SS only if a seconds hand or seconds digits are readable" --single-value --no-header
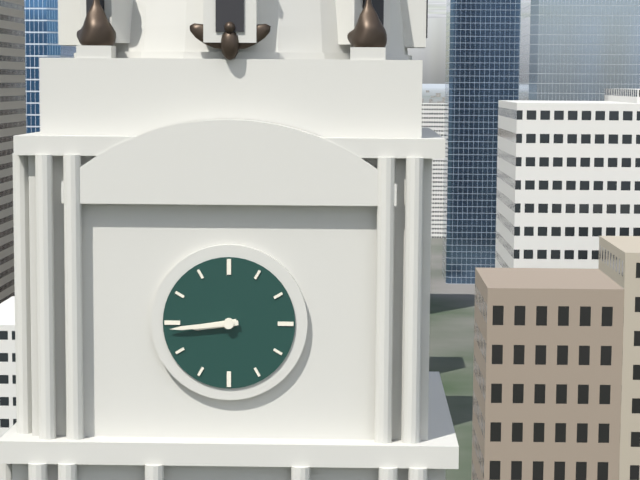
8:44
